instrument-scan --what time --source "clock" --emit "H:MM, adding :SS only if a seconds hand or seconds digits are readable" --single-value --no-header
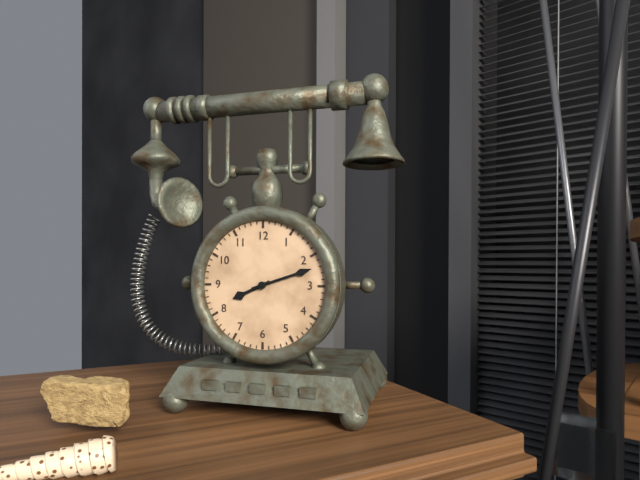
8:12
